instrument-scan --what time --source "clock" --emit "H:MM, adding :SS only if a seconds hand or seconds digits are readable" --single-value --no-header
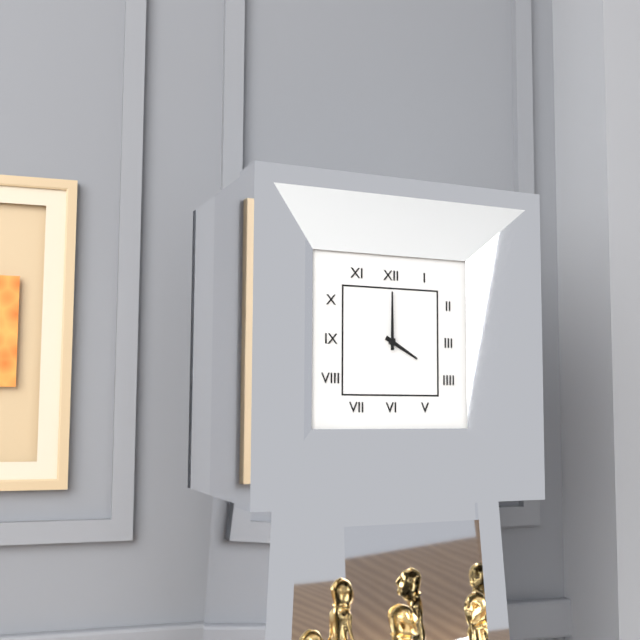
4:00
